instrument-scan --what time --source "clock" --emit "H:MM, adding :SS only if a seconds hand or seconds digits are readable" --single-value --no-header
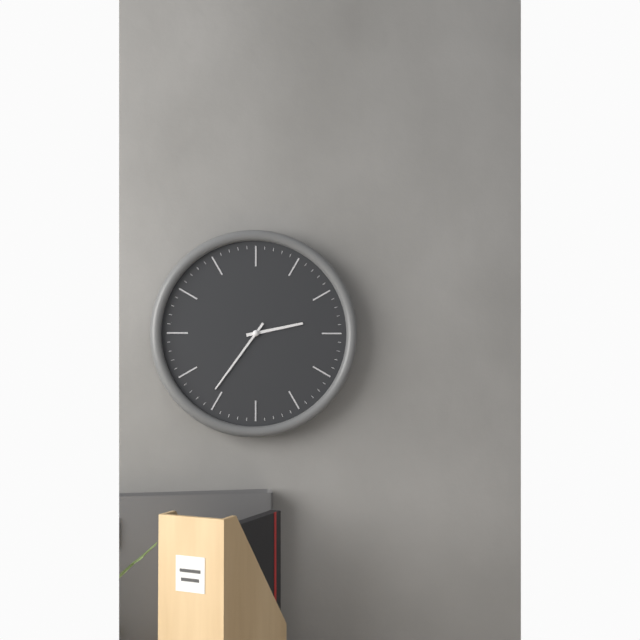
2:36
